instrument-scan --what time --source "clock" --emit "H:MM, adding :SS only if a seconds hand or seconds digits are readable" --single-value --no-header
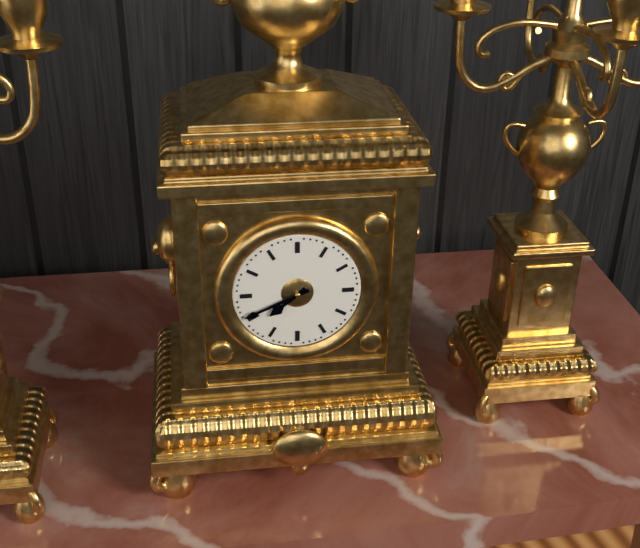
7:41
